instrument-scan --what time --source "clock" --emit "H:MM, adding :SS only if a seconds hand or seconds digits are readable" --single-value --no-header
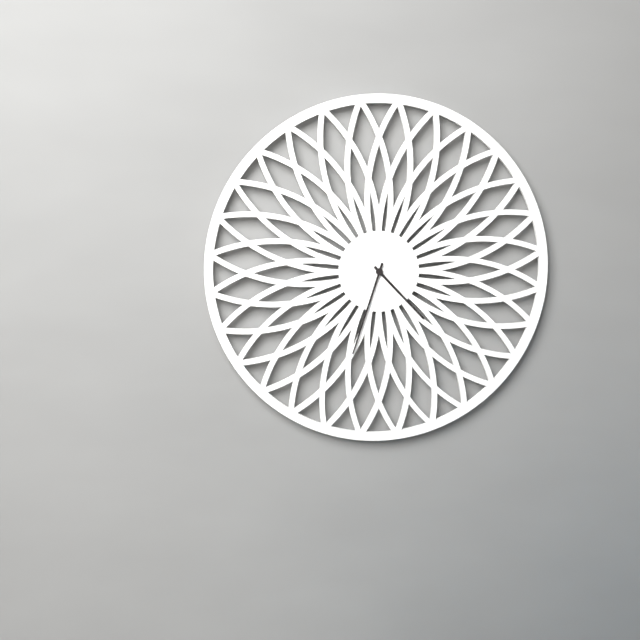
4:33
